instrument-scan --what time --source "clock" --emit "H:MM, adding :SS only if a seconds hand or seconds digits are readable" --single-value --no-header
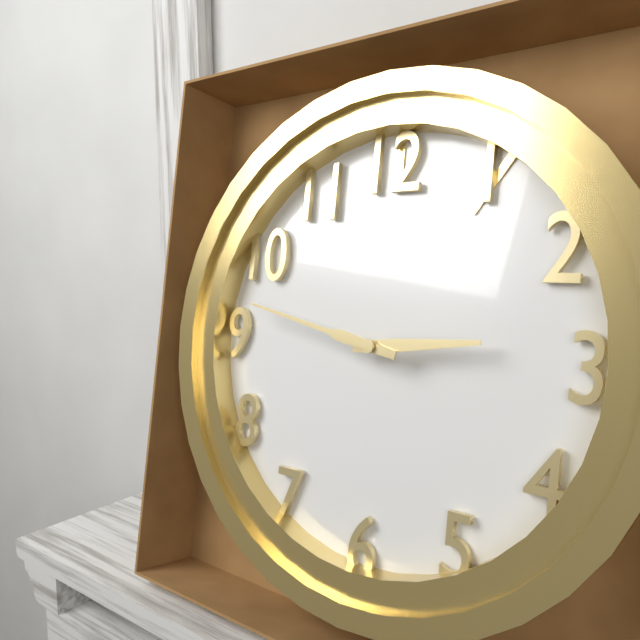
2:47
